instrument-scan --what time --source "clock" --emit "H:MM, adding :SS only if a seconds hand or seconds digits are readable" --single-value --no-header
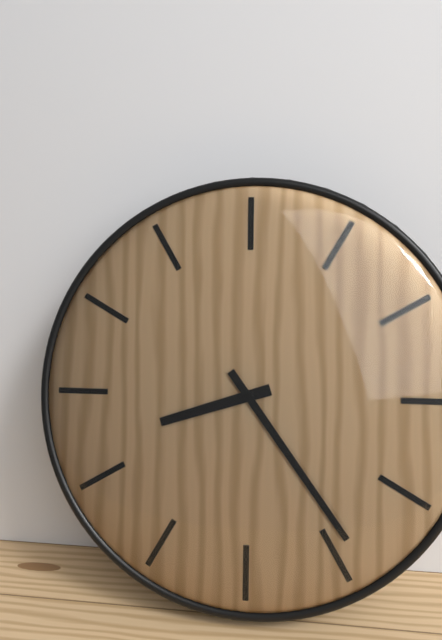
8:24
